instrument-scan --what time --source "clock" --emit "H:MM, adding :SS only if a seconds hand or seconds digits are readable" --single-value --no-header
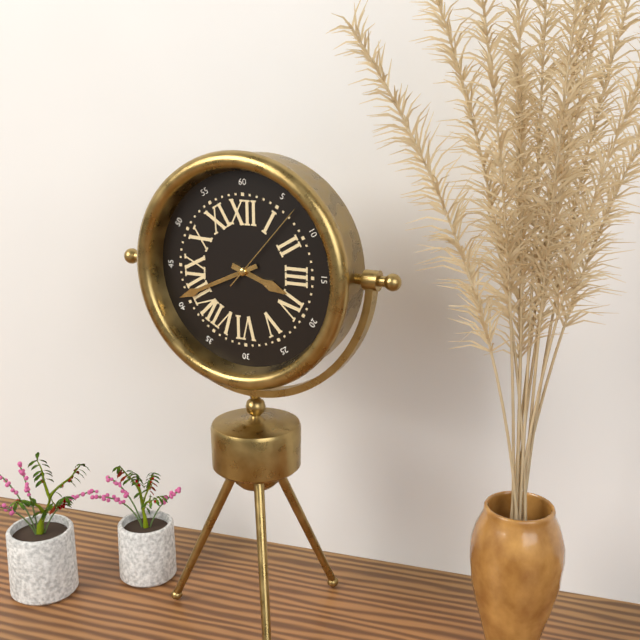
3:41:07
